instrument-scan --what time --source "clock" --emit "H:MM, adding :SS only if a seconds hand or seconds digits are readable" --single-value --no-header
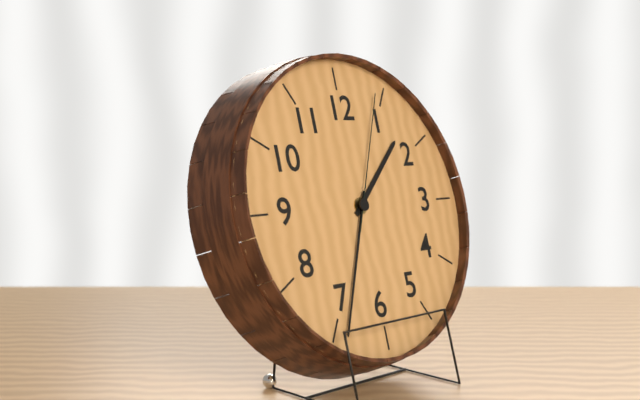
1:34:04
